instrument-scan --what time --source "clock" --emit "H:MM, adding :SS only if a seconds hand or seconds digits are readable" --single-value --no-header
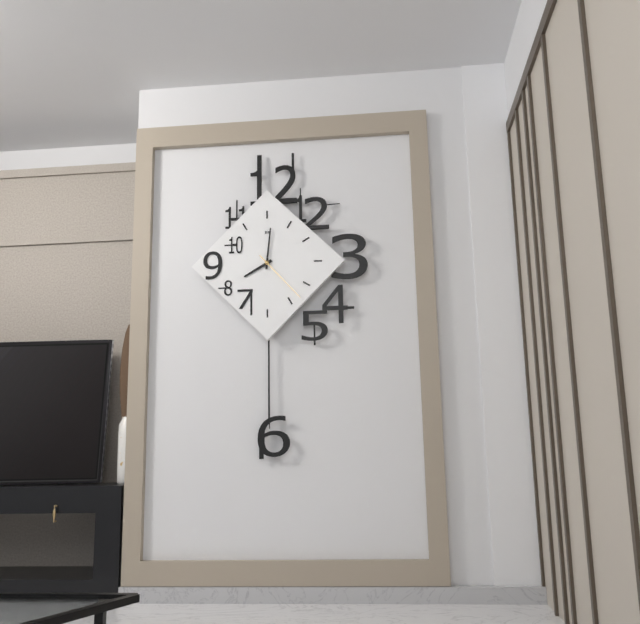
8:01:23
